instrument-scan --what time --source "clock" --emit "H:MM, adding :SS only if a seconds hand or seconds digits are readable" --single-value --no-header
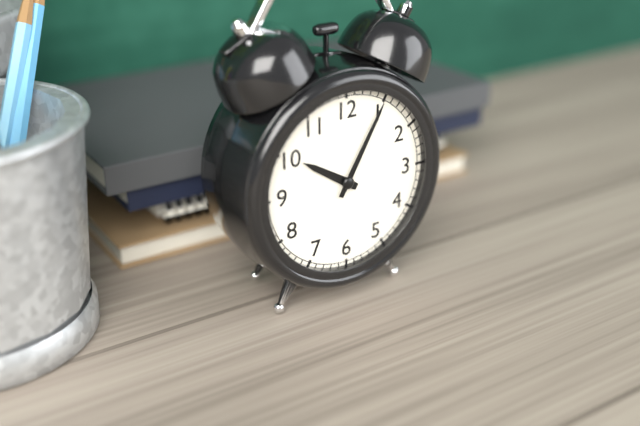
10:05
